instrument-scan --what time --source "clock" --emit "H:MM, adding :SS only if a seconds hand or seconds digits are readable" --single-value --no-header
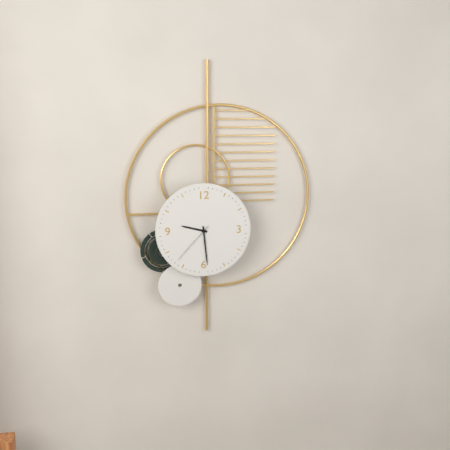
9:29
